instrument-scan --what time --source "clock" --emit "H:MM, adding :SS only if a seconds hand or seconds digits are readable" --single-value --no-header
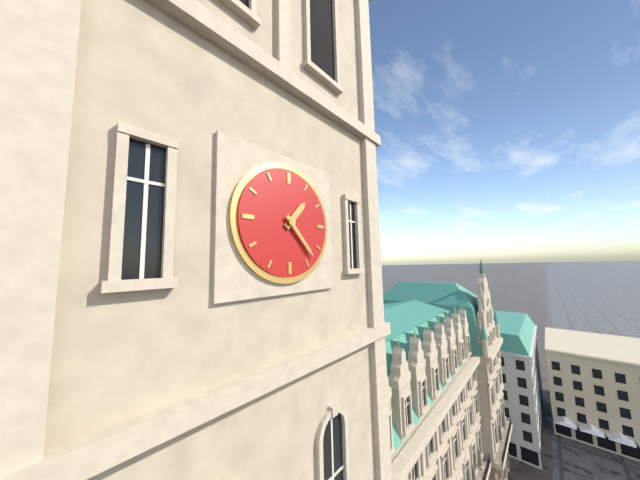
1:23
